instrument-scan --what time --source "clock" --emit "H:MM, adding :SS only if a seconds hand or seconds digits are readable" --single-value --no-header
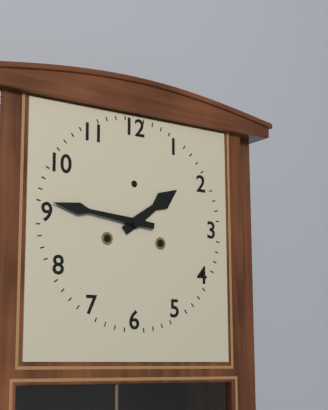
1:46
